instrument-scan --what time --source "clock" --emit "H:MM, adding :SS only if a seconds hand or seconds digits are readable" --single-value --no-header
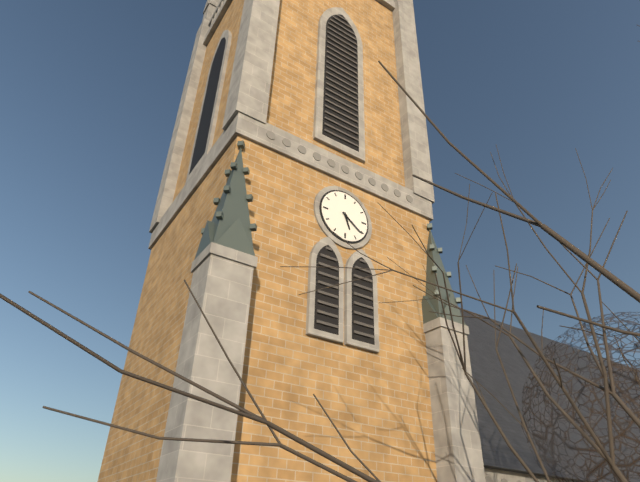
5:21
